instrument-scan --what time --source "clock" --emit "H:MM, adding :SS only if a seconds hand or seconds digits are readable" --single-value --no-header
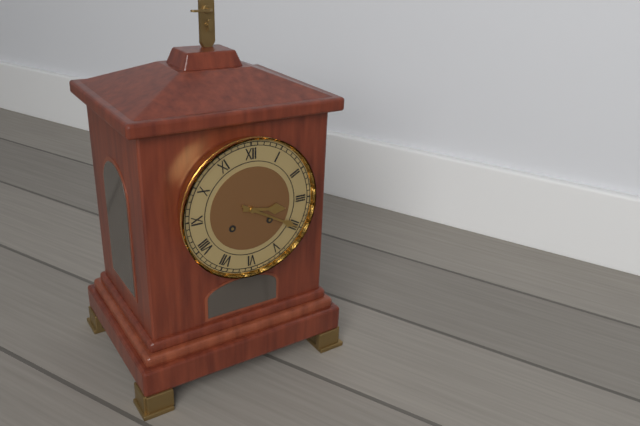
3:20
